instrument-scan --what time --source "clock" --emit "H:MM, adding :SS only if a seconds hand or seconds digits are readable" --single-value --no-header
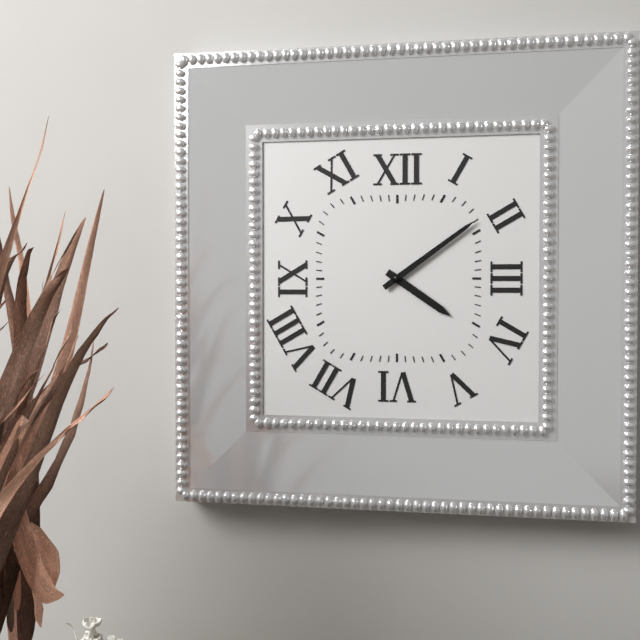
4:09
